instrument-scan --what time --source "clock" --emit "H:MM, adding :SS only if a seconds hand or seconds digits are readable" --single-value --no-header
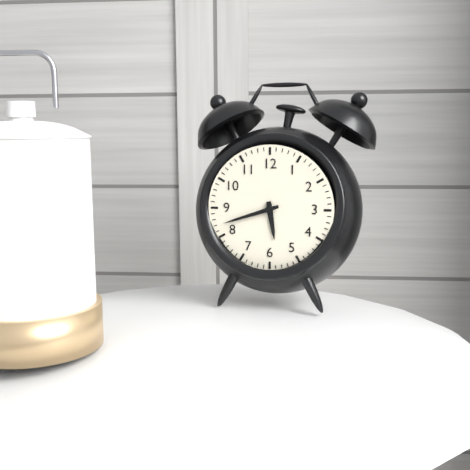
5:42
